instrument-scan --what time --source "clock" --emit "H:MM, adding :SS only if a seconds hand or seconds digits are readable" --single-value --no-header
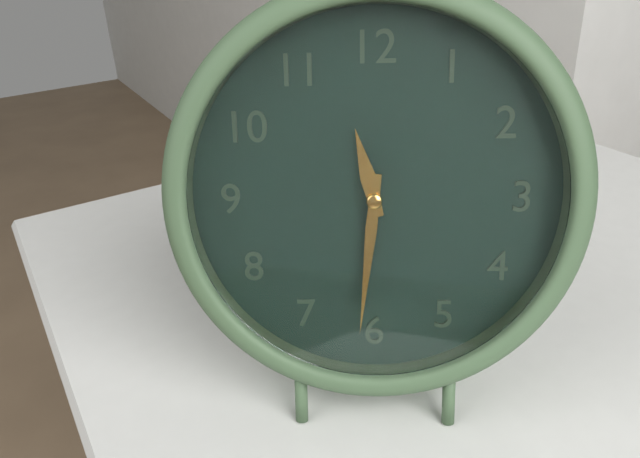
11:31
